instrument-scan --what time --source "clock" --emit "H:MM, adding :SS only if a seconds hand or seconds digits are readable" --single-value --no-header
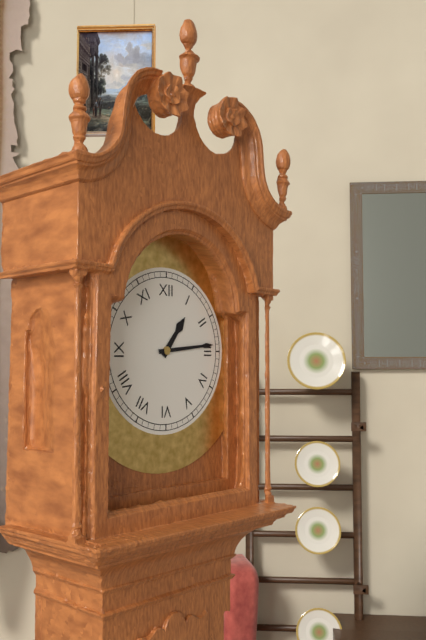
1:14
